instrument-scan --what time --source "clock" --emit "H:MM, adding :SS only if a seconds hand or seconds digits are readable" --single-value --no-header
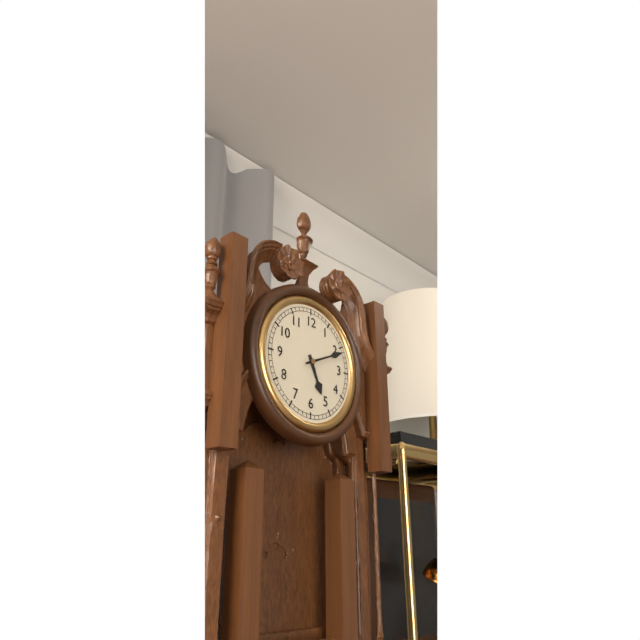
5:11
